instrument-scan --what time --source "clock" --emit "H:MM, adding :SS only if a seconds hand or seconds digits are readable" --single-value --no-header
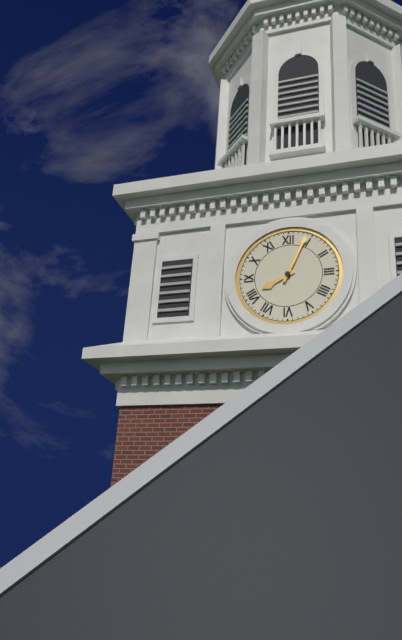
8:04
